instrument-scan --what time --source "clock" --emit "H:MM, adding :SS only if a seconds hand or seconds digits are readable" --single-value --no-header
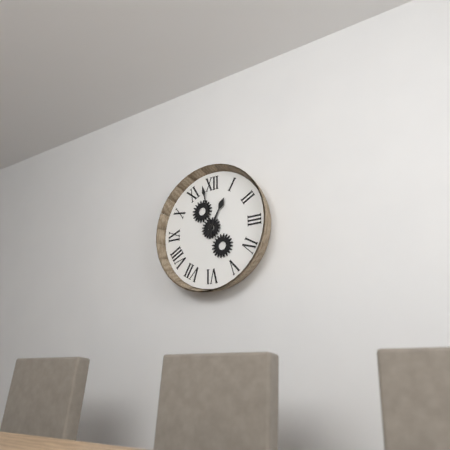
12:58
